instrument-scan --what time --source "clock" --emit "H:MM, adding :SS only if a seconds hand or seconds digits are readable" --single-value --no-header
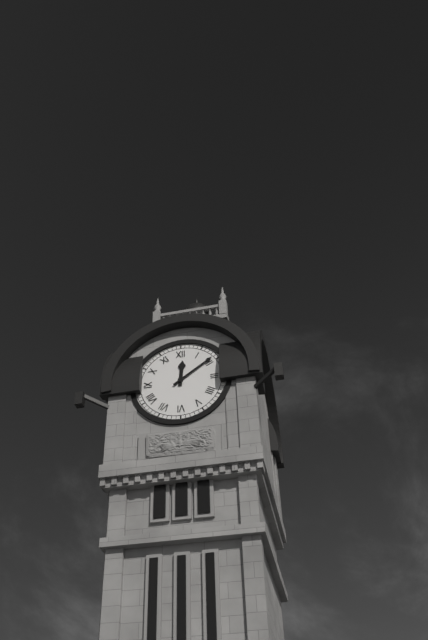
12:09
